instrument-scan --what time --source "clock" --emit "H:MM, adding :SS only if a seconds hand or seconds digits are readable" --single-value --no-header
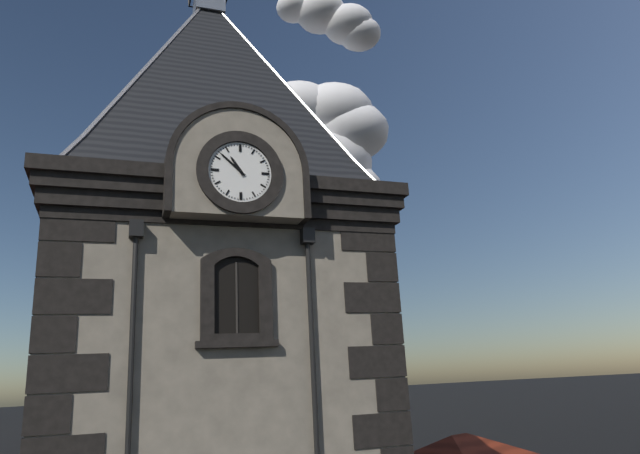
10:52
